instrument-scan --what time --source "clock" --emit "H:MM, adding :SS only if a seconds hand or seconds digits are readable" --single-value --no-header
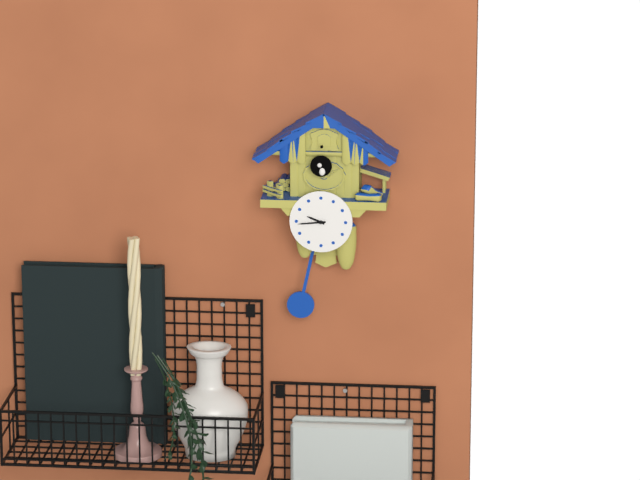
9:44
